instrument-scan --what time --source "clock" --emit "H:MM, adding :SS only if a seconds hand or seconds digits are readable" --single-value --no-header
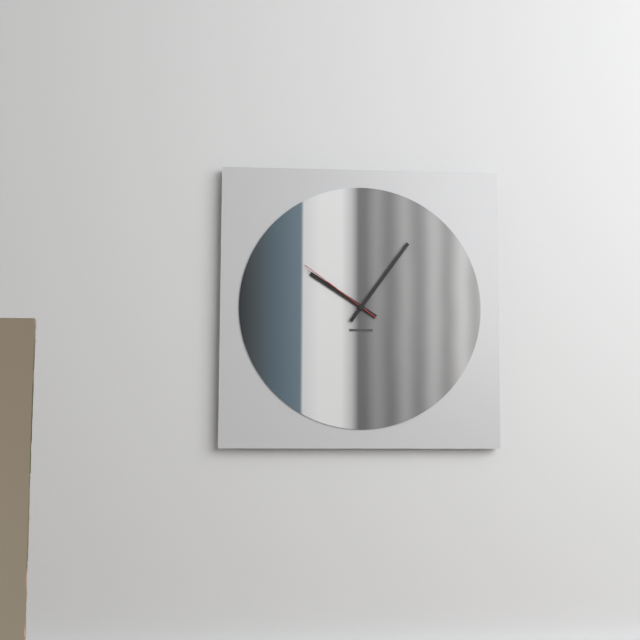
10:06:51
